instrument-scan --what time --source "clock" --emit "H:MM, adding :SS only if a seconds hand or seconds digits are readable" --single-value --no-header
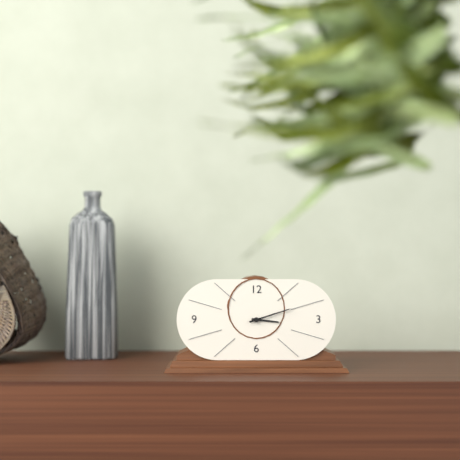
3:12
